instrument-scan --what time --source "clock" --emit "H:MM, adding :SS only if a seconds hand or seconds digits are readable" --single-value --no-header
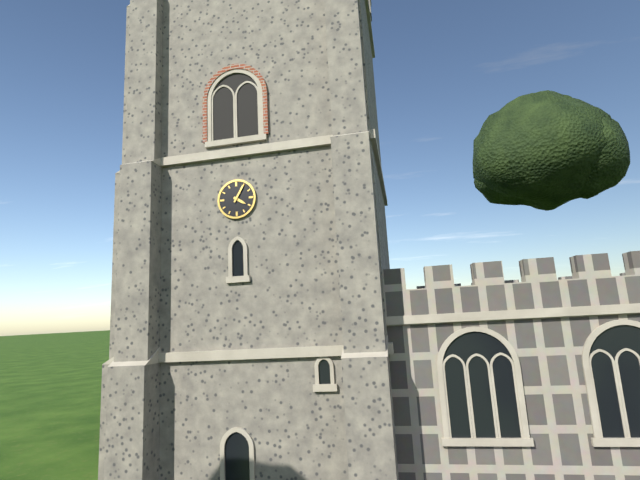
4:05
